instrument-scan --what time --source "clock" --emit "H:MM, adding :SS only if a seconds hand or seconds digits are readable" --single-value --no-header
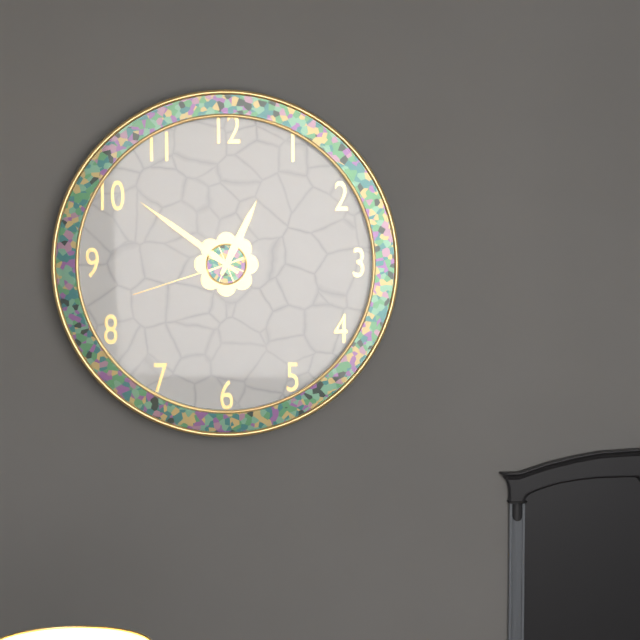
12:51:42
